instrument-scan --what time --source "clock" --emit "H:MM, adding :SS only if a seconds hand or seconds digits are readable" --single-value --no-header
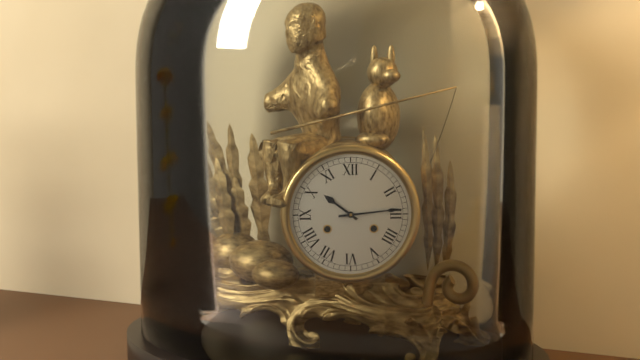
10:14
